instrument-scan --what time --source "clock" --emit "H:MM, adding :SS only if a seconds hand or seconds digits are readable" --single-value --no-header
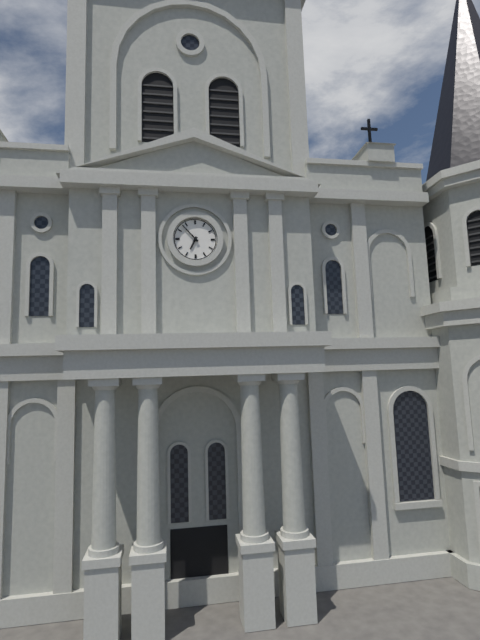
6:53
